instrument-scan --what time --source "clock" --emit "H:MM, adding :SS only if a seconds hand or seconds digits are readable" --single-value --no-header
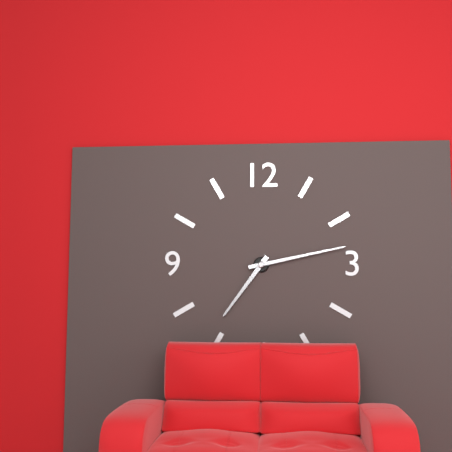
7:13
